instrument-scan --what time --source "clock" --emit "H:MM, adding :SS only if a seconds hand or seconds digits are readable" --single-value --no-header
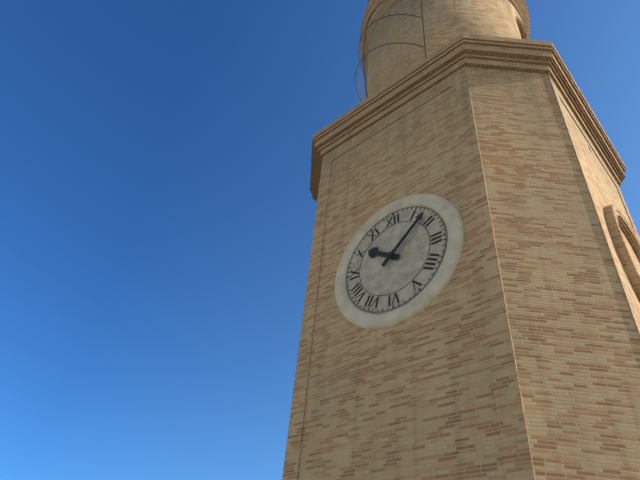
10:08
